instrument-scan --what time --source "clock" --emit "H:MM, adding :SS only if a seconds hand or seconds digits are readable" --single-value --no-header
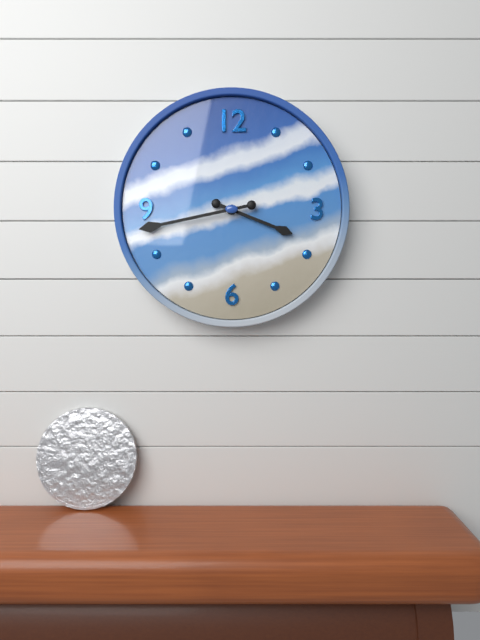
3:43
